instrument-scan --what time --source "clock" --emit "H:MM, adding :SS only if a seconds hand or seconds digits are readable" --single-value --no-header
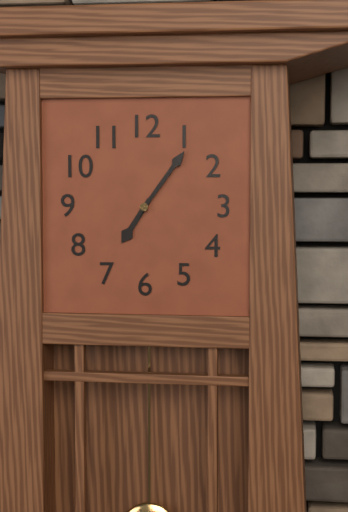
7:06
